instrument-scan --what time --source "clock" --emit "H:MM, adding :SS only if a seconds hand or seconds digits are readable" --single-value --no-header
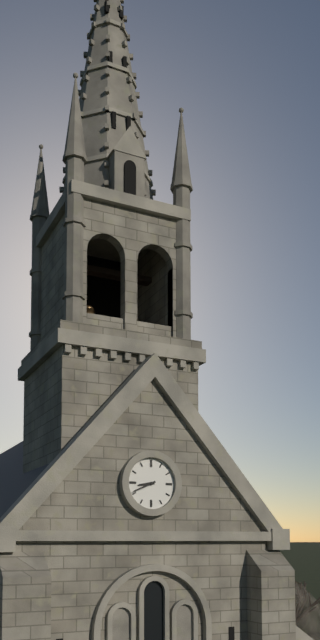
8:41
